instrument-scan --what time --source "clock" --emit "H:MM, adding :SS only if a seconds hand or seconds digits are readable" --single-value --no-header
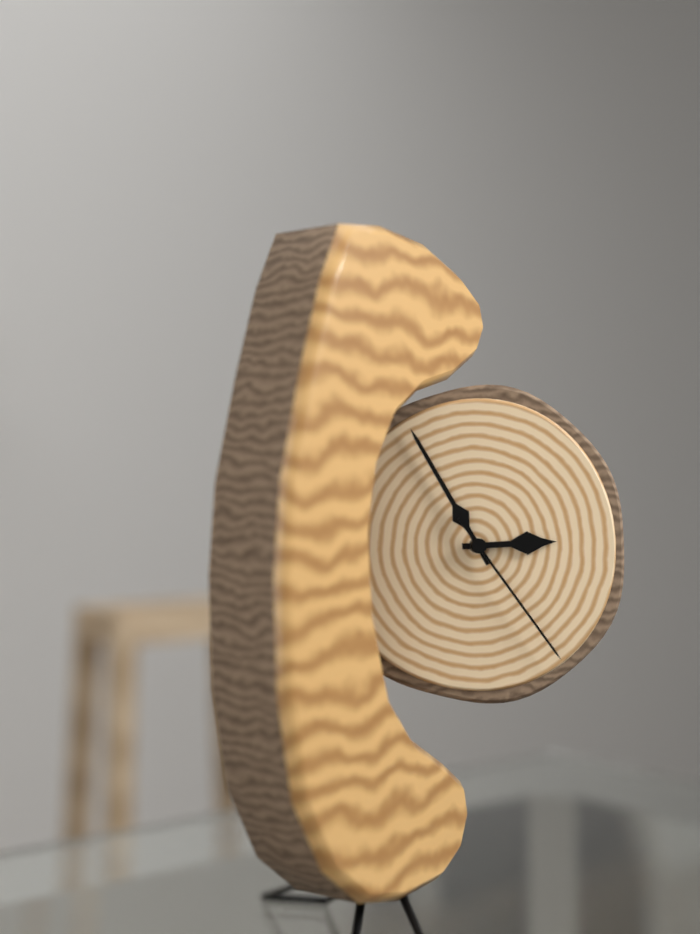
2:55:24
